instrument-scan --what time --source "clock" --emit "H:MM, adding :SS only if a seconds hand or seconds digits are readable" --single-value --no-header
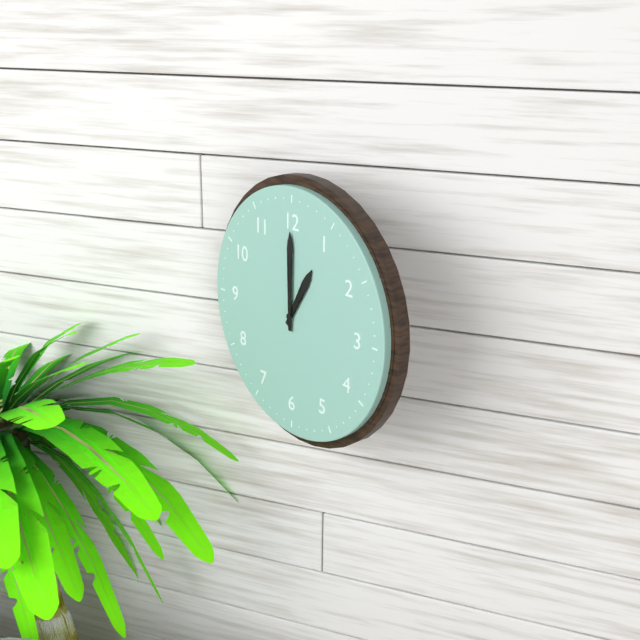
1:00
